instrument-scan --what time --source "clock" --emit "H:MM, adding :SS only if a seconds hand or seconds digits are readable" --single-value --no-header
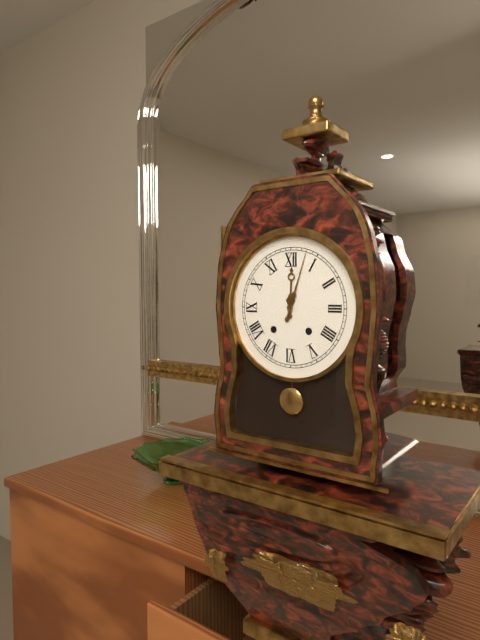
12:03
